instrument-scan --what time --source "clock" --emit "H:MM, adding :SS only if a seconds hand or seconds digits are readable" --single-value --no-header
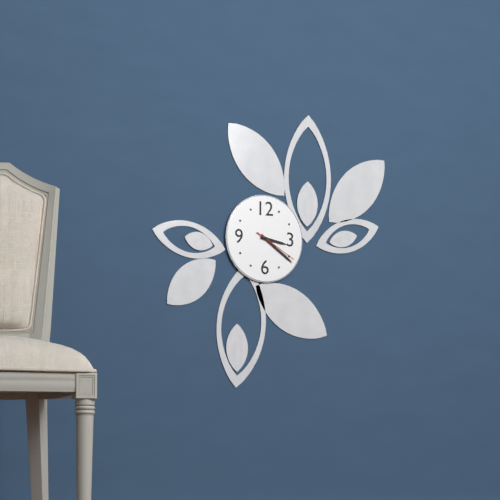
3:21
